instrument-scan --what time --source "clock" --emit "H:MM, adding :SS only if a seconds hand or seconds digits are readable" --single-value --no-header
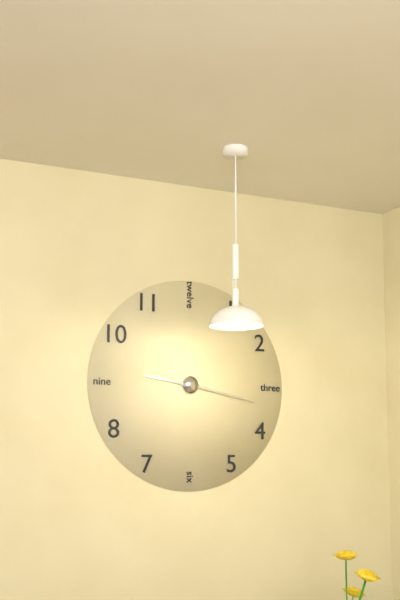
9:17
